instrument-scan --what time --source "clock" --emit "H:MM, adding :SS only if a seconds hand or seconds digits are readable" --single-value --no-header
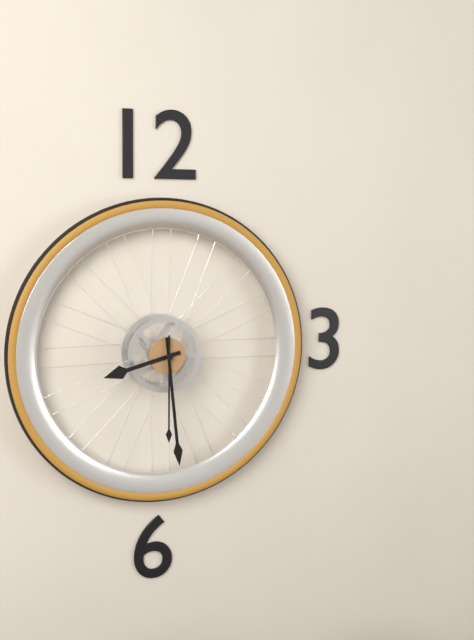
8:29:30
